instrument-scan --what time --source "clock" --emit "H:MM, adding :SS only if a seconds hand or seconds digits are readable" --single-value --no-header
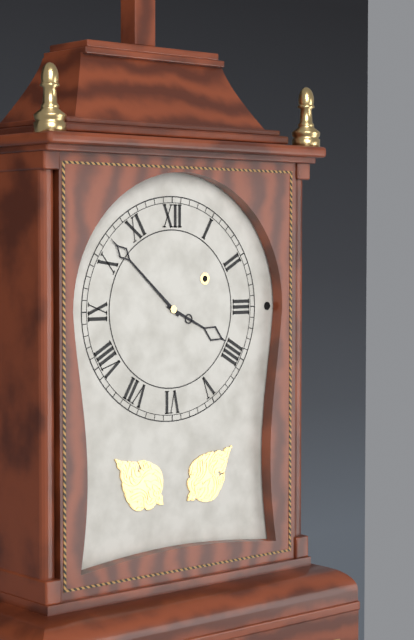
3:52
